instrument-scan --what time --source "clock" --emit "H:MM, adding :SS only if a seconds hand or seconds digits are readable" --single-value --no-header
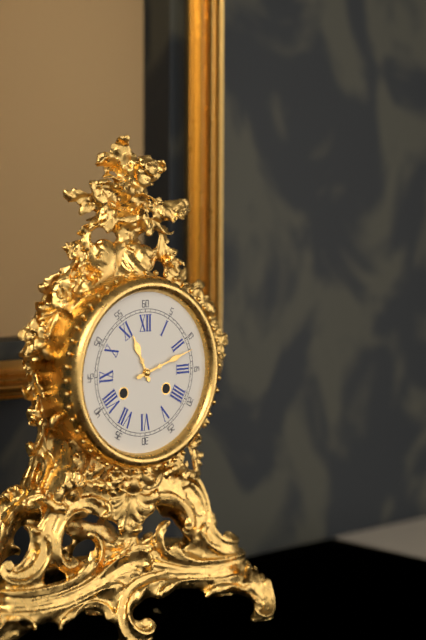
11:12
